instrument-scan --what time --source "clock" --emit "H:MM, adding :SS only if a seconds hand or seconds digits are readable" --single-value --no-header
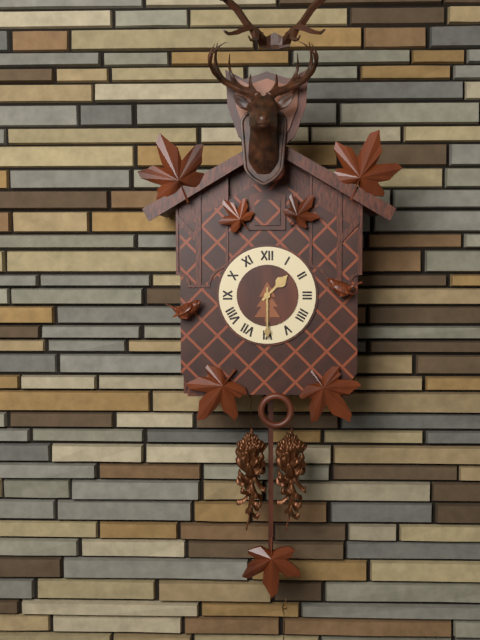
1:30
